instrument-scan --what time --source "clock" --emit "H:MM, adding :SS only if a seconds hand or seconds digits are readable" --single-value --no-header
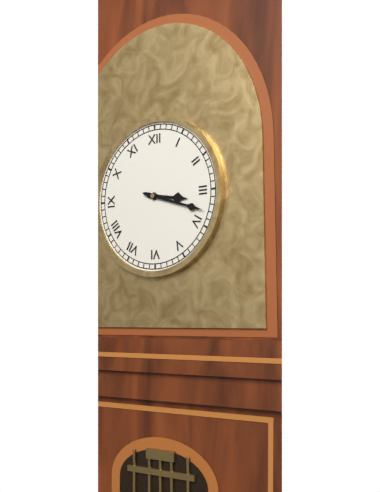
3:18
